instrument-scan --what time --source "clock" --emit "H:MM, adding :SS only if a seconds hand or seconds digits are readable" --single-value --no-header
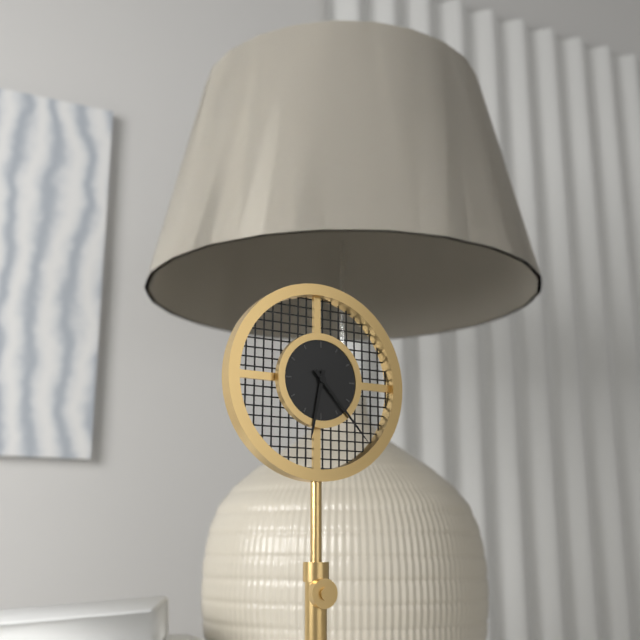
6:23
